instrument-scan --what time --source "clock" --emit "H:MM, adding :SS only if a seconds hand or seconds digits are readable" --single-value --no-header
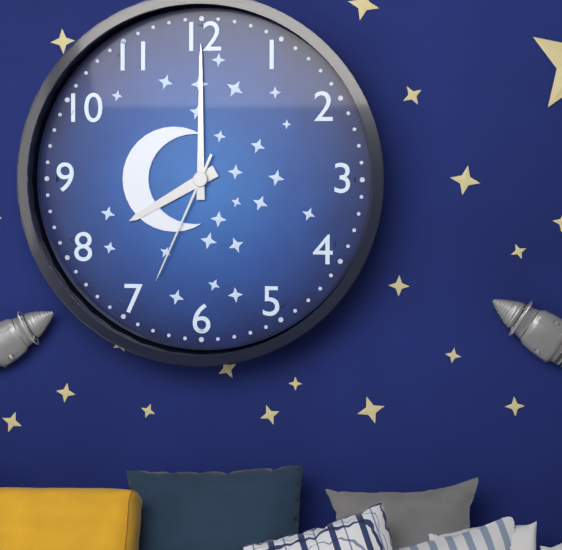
8:00:34
